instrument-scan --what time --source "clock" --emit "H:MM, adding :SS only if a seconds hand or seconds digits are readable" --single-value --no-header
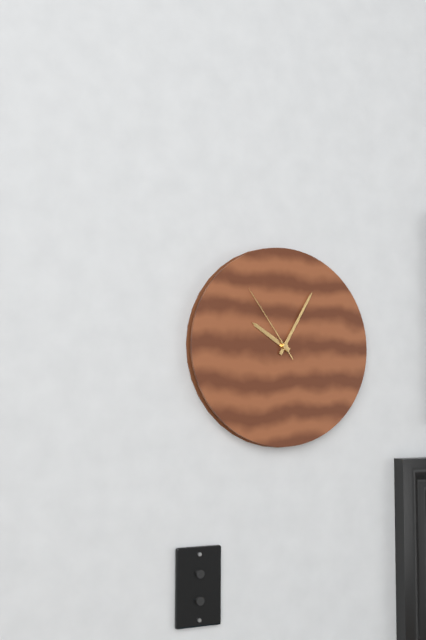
10:05:54
